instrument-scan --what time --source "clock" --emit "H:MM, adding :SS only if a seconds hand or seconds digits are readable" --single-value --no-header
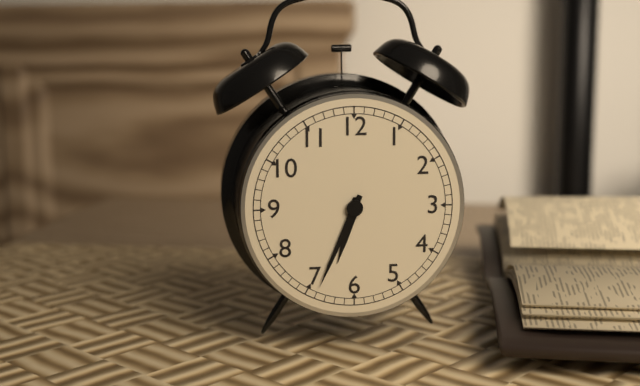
6:34
